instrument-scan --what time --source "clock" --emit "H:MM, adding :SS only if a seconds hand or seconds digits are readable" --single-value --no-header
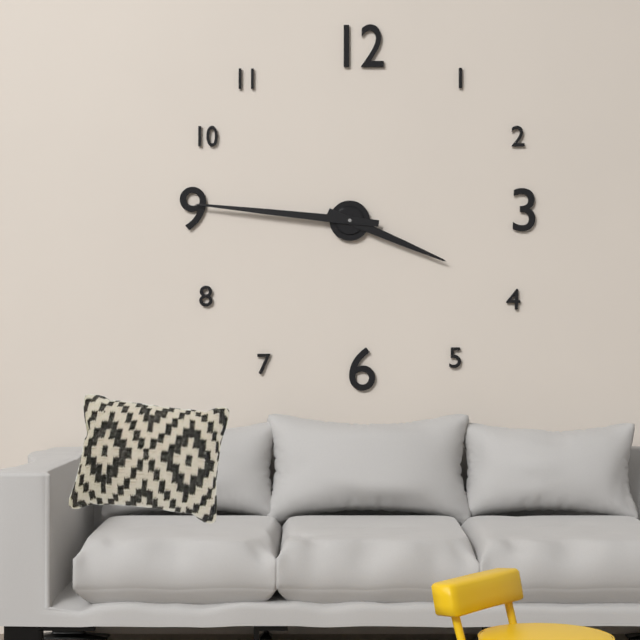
3:46
